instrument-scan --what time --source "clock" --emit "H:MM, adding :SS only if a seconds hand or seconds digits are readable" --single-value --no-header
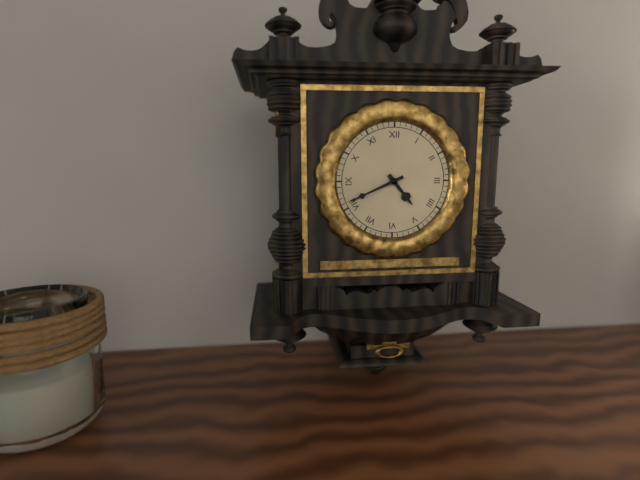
4:41
